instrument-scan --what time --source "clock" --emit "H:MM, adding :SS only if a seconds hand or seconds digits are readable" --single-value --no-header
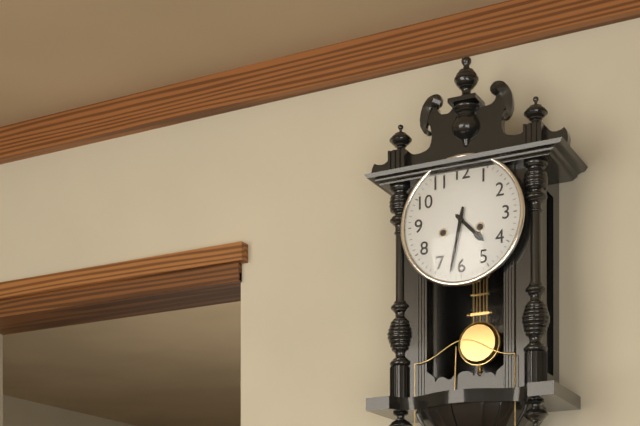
4:32
